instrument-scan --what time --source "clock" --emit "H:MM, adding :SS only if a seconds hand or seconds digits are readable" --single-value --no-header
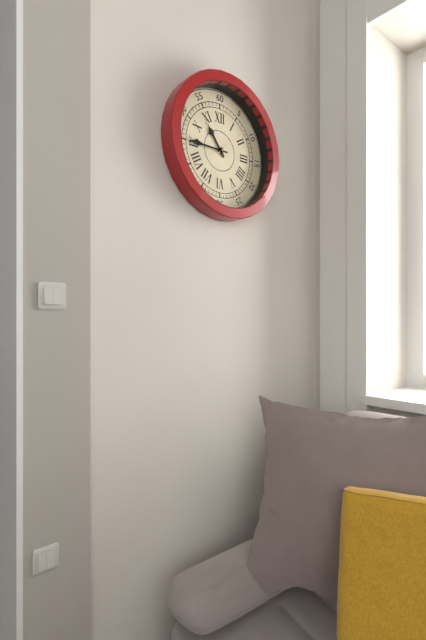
10:45
